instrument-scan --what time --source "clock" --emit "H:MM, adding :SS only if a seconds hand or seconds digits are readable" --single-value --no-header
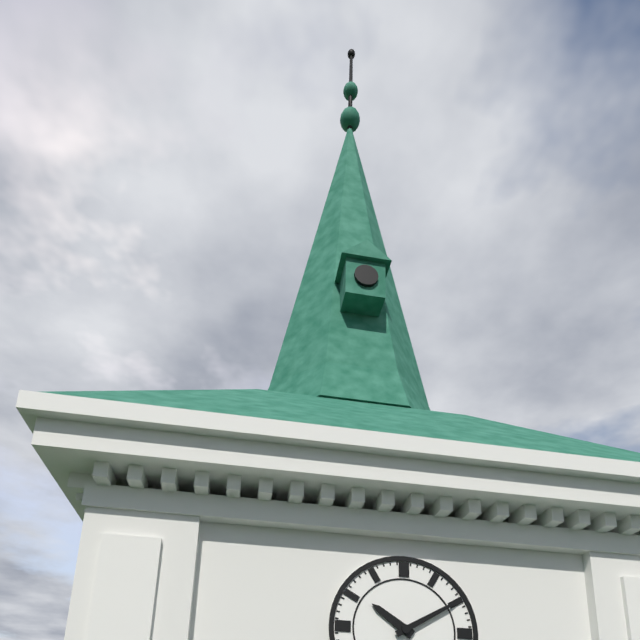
10:10
